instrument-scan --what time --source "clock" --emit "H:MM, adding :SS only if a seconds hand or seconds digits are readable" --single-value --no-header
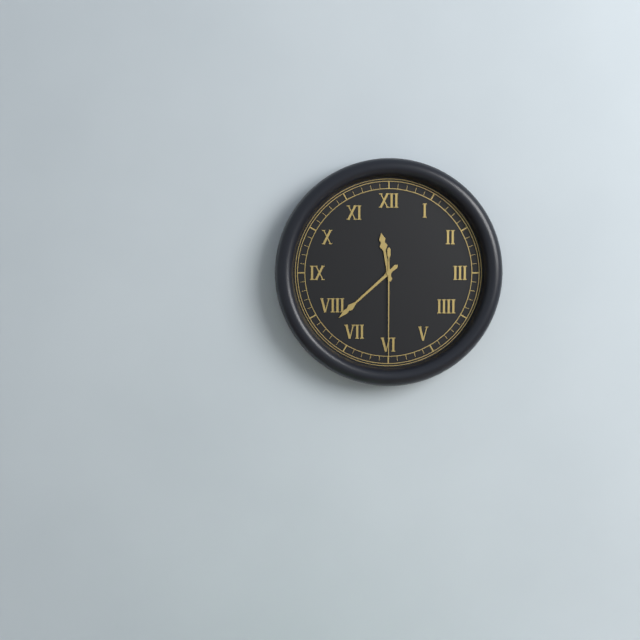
11:38:30
